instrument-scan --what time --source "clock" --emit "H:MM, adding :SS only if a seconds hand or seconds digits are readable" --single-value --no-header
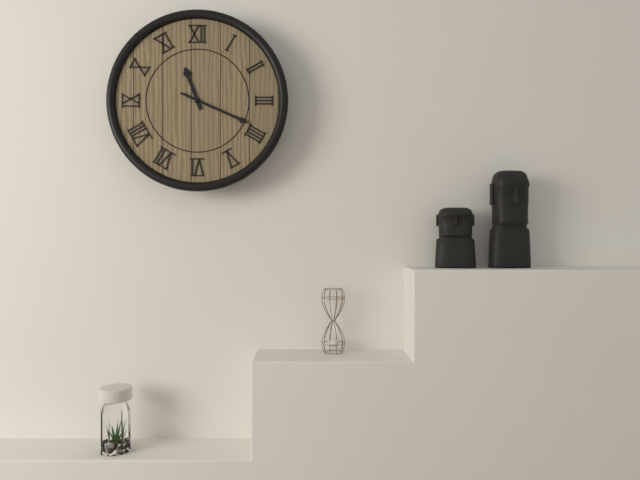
11:19
